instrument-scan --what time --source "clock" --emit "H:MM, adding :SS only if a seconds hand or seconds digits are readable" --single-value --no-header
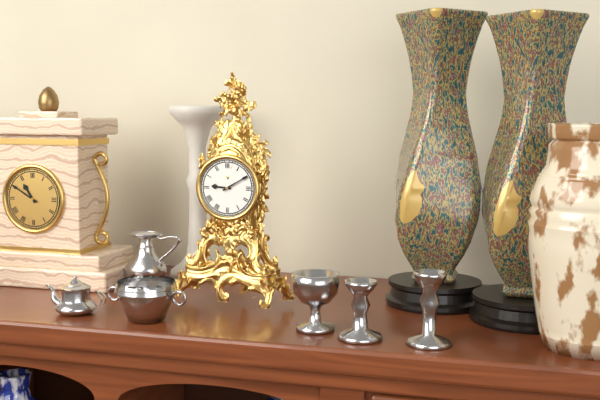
9:10
